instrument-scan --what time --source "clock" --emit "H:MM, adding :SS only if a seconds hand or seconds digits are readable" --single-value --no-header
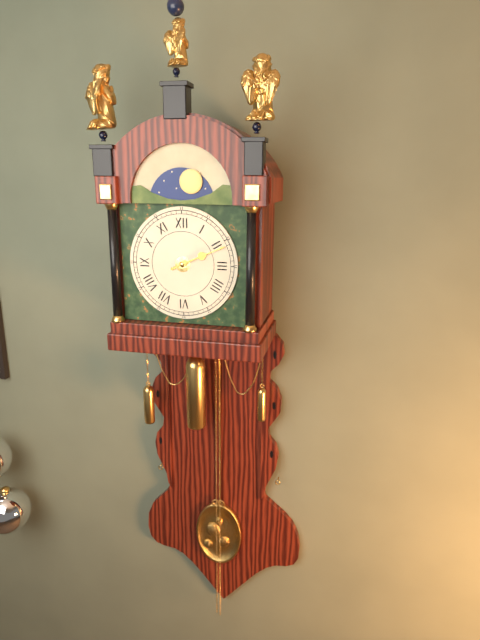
2:11
